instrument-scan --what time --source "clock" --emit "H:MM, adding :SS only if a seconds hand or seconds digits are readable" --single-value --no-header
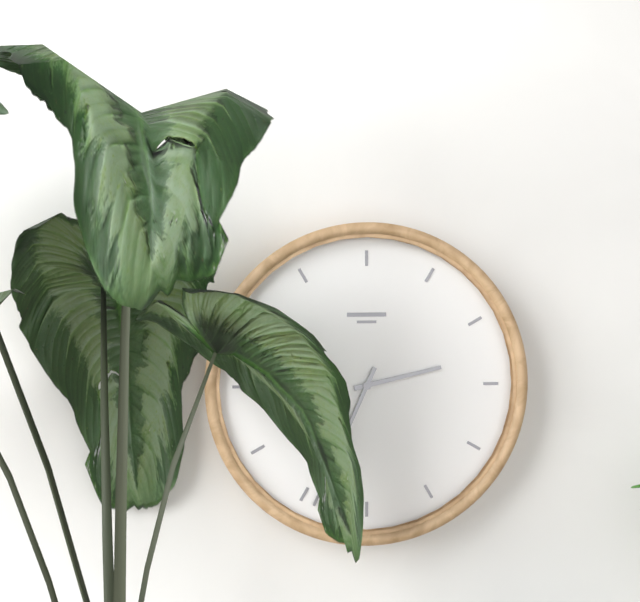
2:34
